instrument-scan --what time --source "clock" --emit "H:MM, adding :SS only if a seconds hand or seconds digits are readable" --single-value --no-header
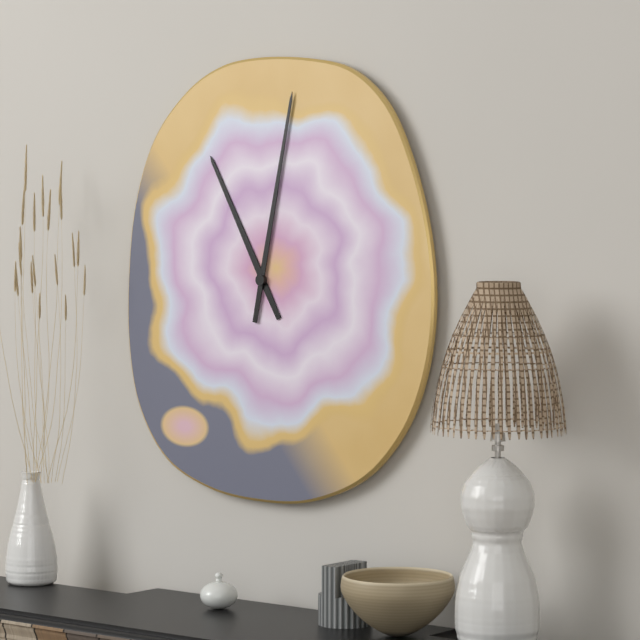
11:02
